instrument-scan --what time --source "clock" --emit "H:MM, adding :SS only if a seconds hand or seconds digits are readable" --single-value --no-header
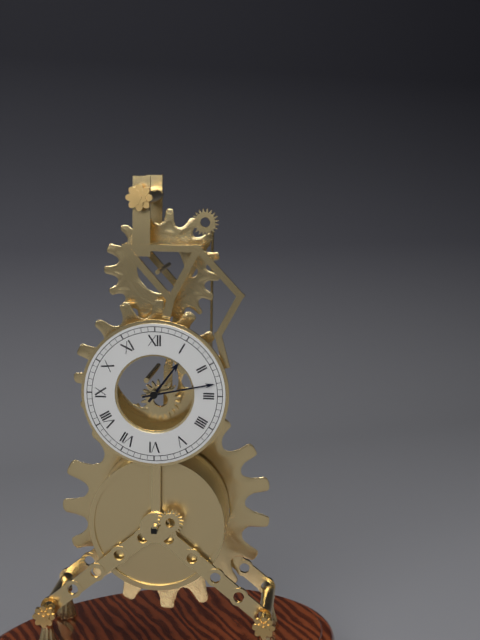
1:13
